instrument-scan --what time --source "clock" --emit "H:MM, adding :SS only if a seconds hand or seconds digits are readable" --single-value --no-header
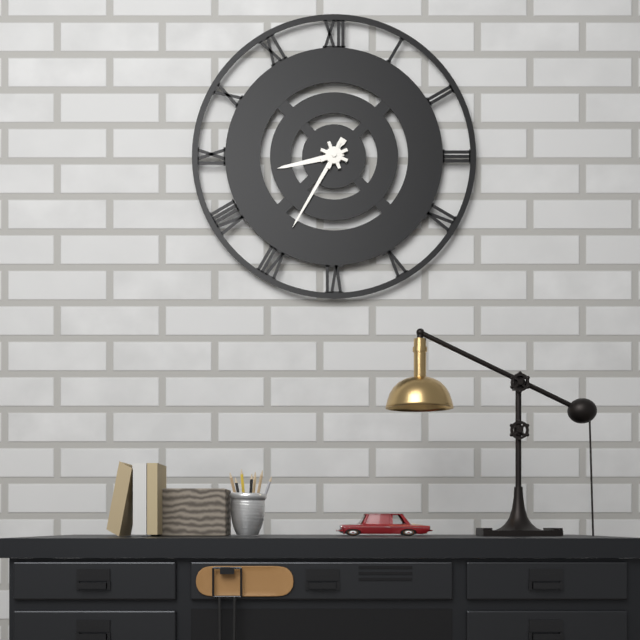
8:35
